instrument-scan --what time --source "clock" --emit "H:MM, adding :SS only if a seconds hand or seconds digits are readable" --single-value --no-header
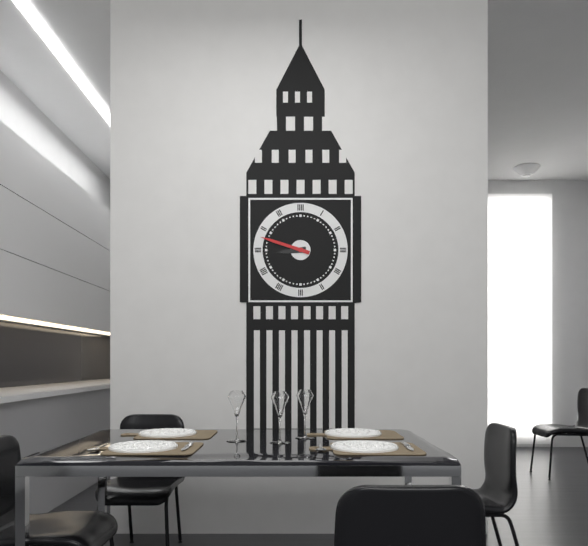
8:48
